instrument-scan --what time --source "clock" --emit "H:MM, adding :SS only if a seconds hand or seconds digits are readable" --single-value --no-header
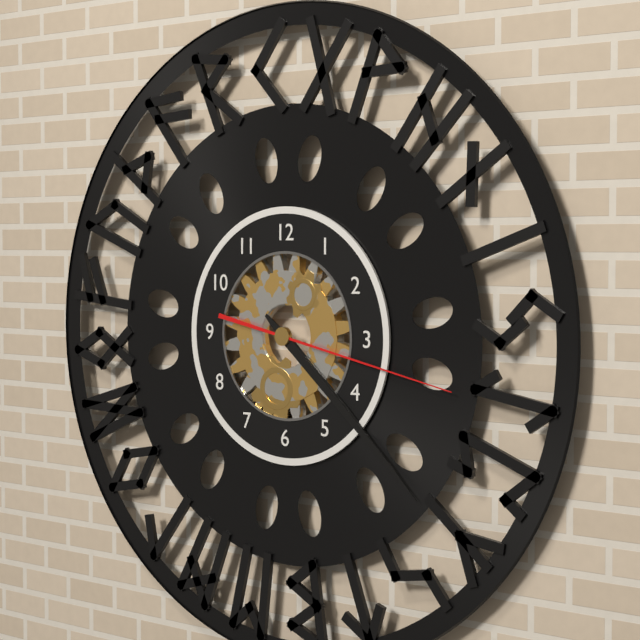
4:22:17
